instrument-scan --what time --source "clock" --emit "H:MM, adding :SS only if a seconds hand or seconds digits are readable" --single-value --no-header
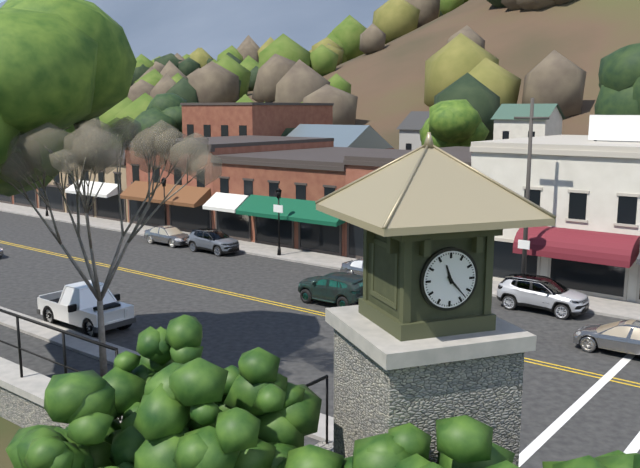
11:23
